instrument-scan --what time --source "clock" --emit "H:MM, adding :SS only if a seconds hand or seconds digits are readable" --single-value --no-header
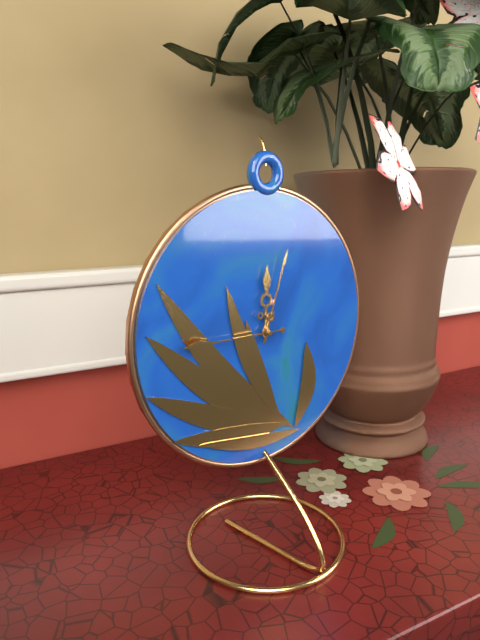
12:03:45
